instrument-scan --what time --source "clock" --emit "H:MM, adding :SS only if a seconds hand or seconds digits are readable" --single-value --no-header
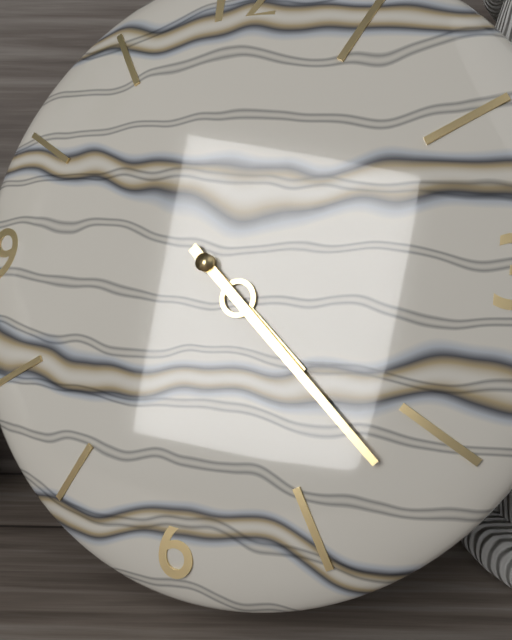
4:22
